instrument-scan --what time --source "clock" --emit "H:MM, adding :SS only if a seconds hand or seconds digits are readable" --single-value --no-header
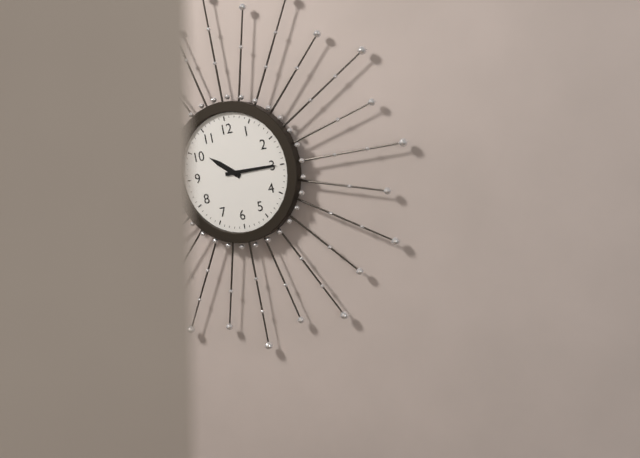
10:15
